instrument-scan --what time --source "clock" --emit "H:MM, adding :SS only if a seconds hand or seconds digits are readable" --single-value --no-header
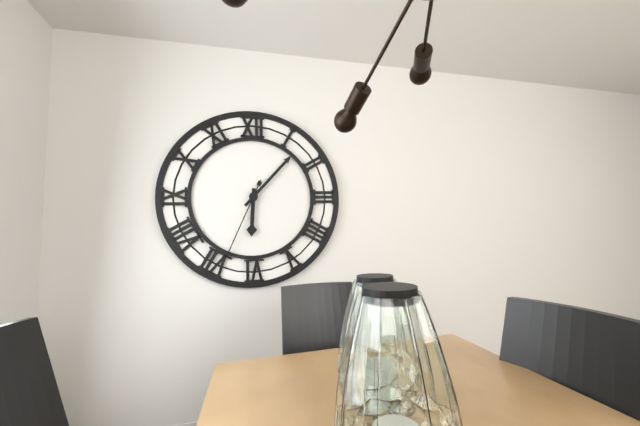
6:07:34
